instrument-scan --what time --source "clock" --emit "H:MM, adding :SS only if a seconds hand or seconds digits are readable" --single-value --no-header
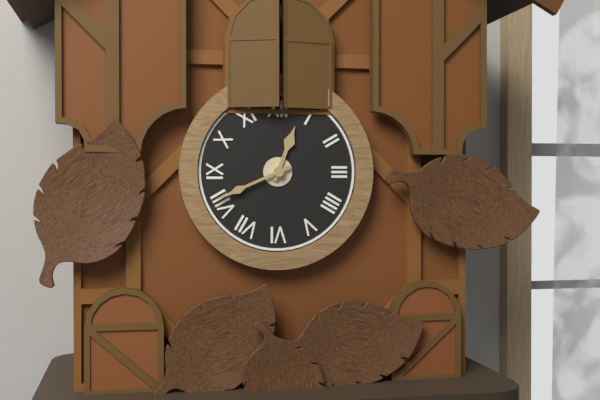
12:41
